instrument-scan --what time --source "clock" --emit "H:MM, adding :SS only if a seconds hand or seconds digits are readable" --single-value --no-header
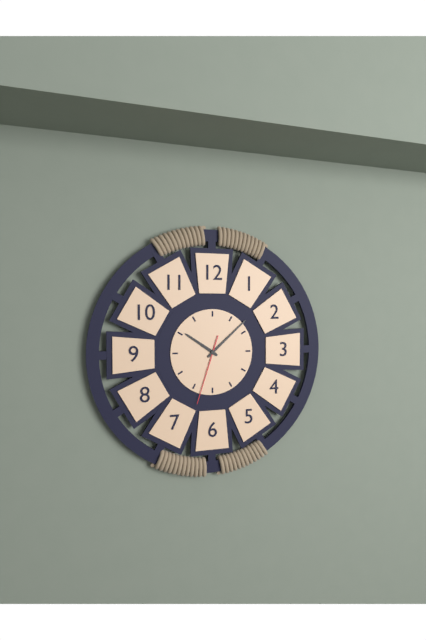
10:08:33
